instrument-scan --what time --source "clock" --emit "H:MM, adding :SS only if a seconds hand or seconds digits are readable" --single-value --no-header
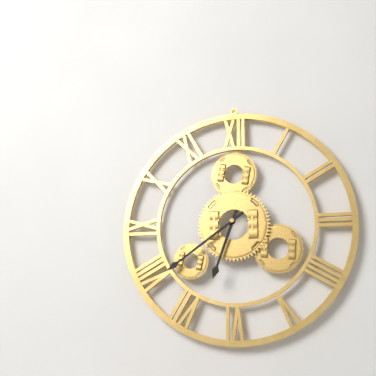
6:39
